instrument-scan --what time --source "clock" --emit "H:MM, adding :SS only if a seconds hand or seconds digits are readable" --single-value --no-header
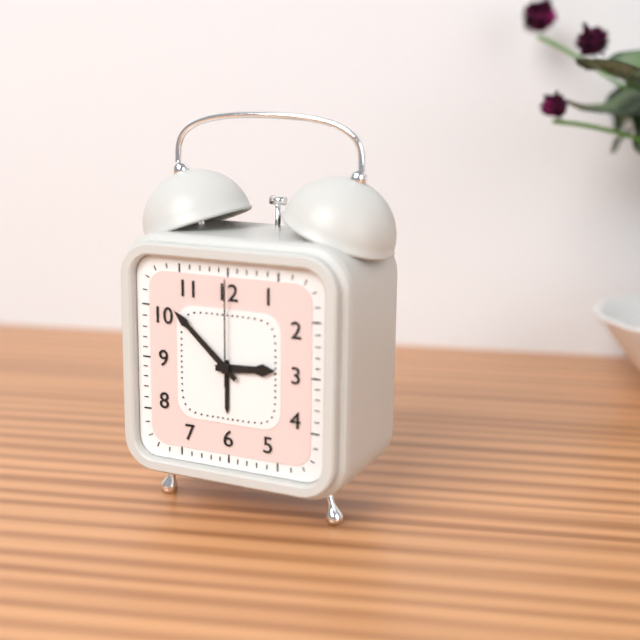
2:52:00
